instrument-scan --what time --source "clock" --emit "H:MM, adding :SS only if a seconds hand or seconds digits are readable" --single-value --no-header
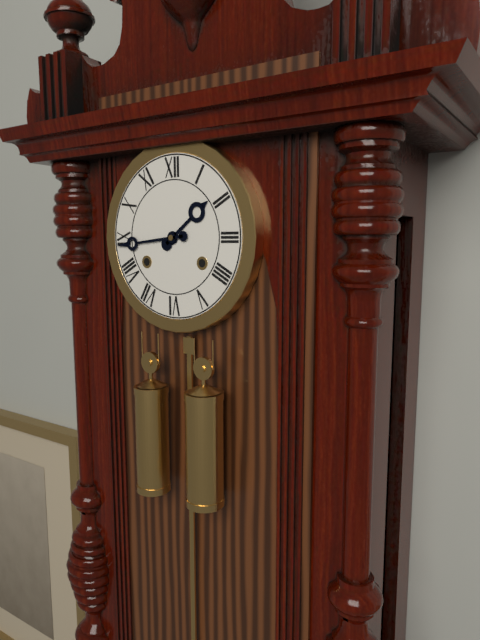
1:44
